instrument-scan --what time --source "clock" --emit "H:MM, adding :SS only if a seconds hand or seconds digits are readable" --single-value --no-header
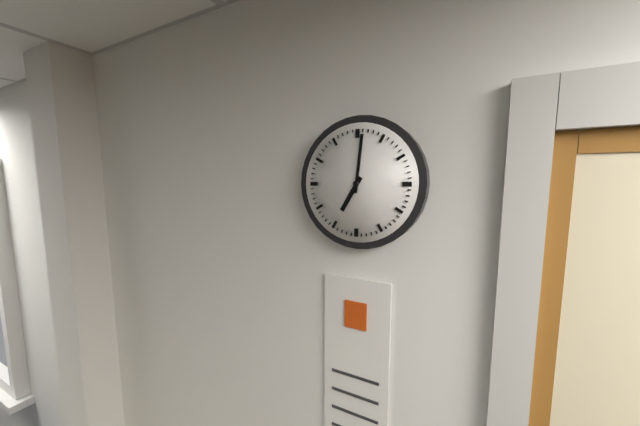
7:01
